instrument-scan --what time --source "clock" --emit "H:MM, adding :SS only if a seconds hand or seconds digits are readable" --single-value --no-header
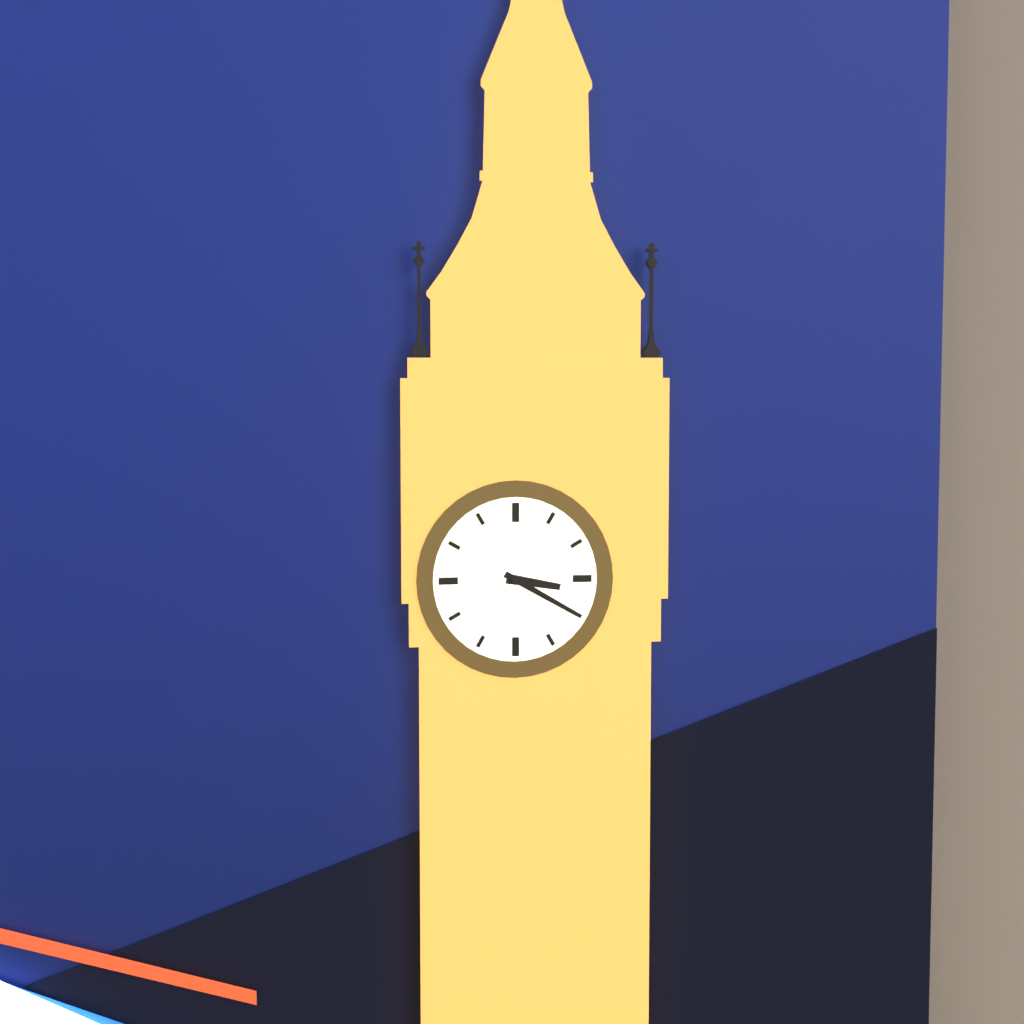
3:20
